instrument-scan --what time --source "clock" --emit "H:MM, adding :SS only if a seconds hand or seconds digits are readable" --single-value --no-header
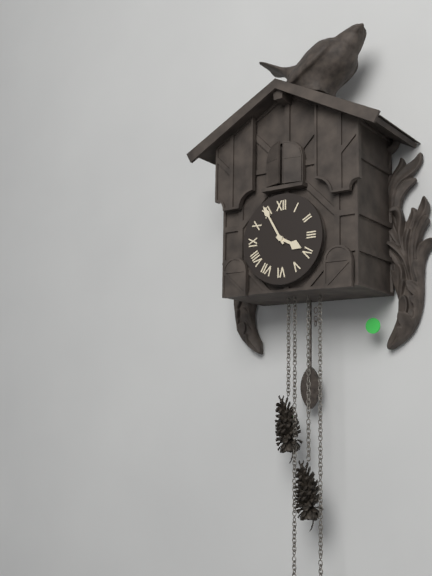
3:55
